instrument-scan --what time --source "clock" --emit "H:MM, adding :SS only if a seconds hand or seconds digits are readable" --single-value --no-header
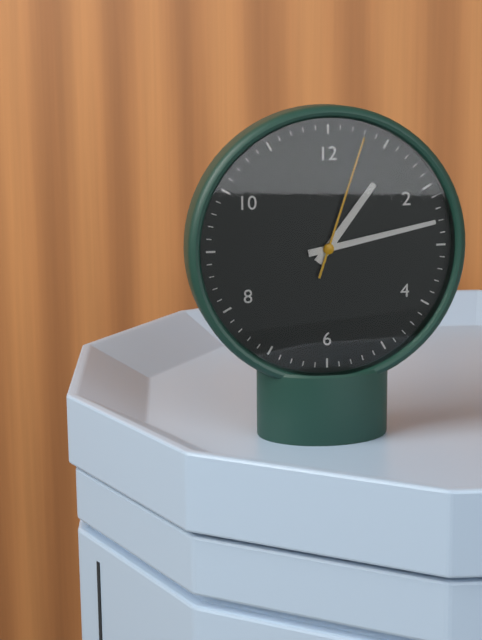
1:13:03
